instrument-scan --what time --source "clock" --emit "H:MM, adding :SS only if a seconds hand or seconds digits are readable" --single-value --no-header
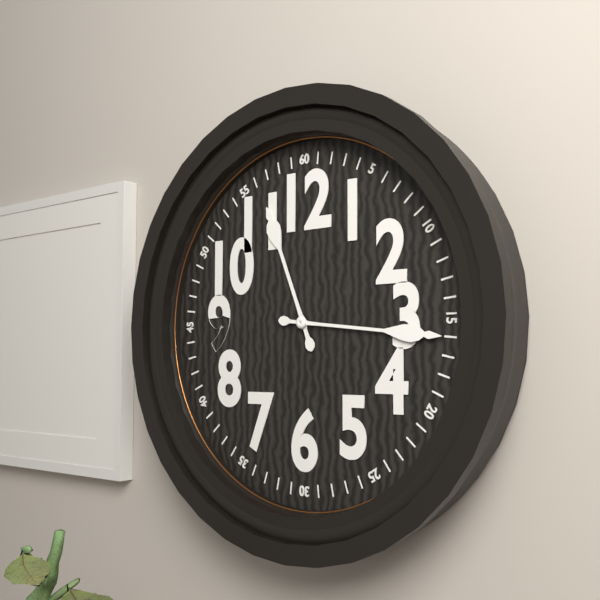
11:16
